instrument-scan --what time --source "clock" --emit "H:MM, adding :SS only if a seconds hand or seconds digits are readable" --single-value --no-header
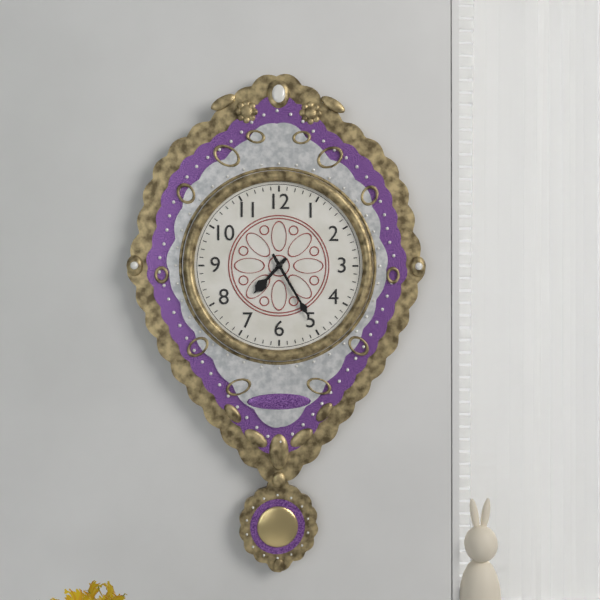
7:25
